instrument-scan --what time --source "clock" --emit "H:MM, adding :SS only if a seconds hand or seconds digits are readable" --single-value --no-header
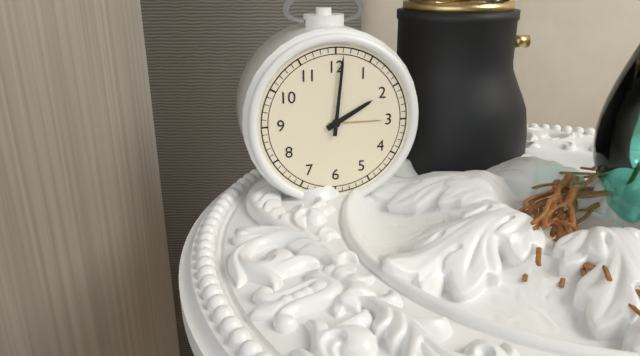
2:01
